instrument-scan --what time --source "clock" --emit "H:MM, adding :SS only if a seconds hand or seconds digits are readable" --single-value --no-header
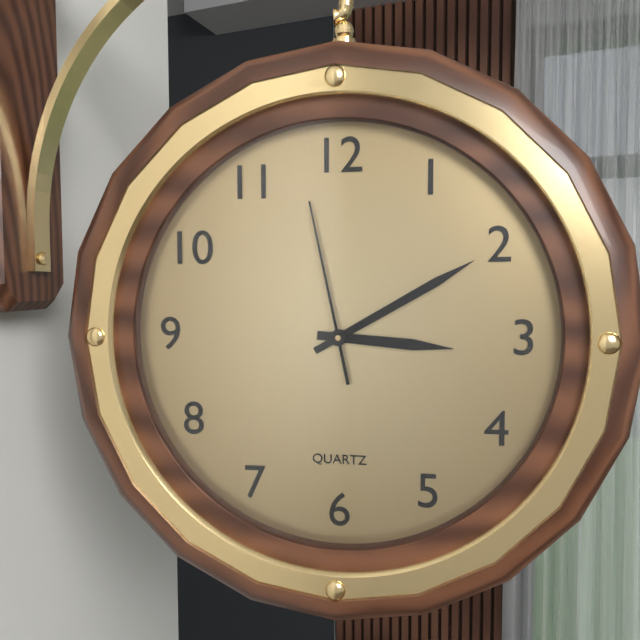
3:10:58
